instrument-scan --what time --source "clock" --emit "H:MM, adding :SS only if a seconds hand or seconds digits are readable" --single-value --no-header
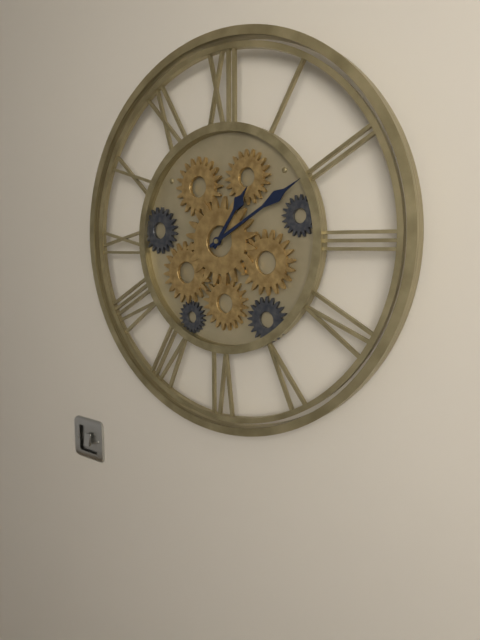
1:10
